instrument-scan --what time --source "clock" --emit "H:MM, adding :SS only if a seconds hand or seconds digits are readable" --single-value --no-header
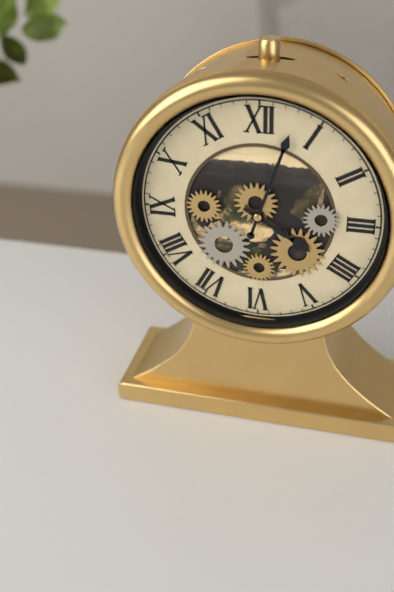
4:03
